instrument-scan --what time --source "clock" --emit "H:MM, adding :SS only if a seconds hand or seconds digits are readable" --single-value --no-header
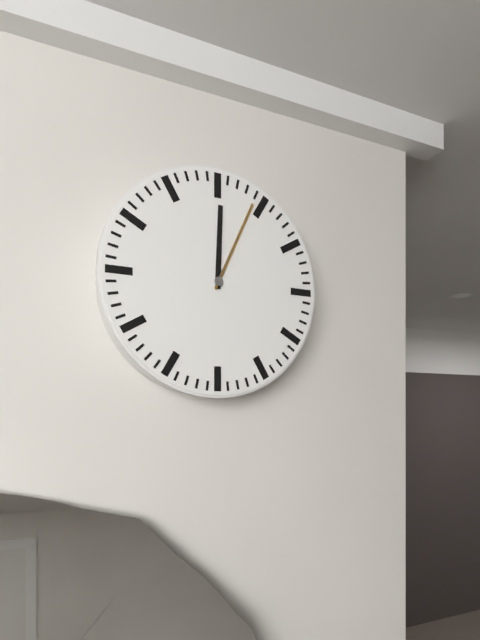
12:04
